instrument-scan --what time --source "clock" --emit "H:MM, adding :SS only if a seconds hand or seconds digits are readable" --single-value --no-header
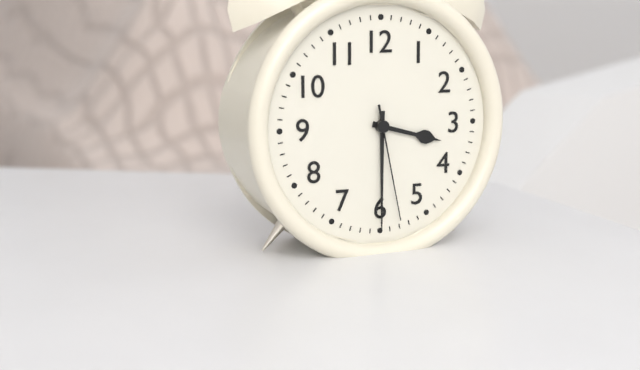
3:30:28
